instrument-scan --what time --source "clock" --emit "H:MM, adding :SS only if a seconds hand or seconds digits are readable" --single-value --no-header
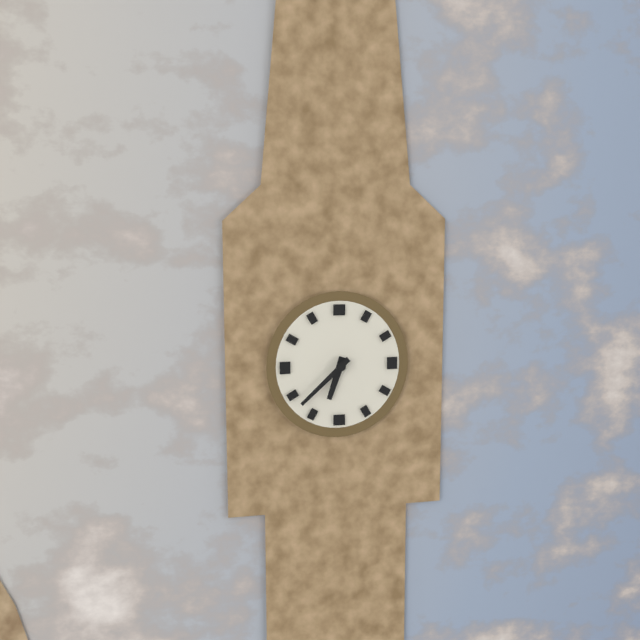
6:38
